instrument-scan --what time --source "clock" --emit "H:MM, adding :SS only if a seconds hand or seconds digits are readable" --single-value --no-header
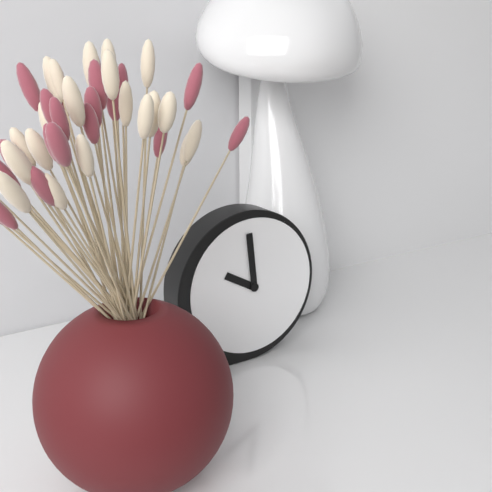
9:59
